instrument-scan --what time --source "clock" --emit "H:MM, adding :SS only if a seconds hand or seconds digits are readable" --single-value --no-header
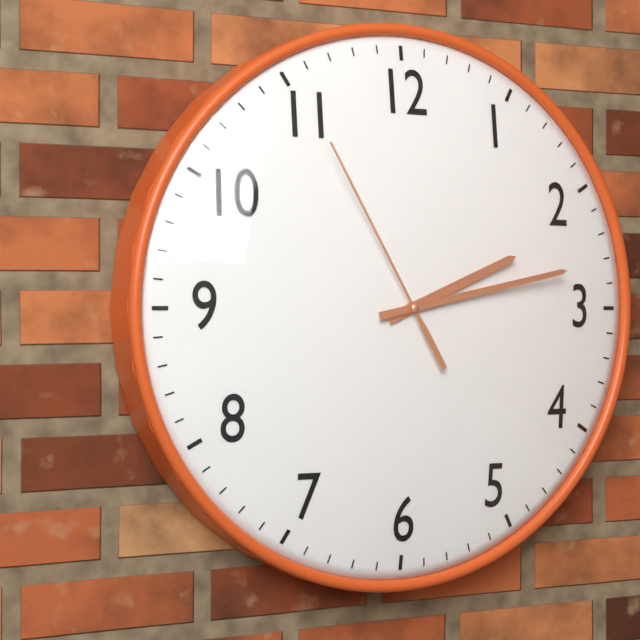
2:13:55
